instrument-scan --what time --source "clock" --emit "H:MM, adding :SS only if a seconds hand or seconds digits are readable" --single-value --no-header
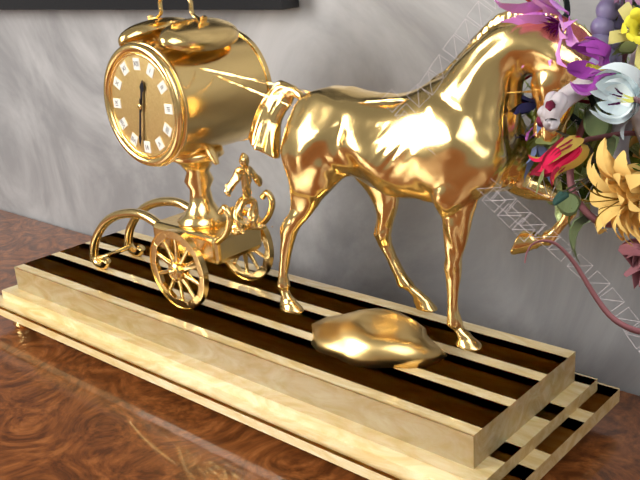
12:32
